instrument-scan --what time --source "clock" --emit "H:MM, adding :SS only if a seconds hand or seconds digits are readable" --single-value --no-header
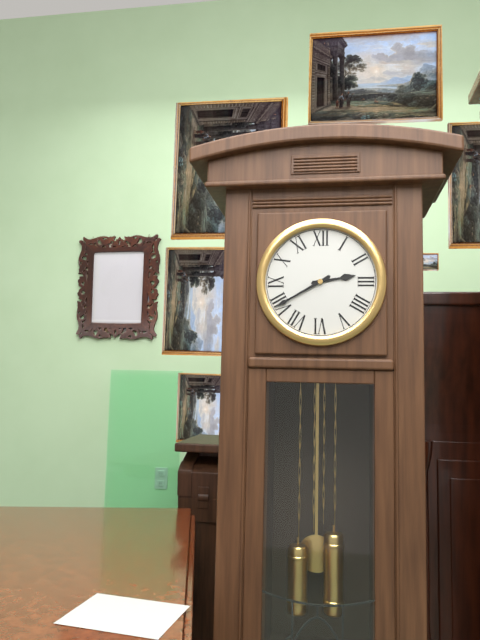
2:40
